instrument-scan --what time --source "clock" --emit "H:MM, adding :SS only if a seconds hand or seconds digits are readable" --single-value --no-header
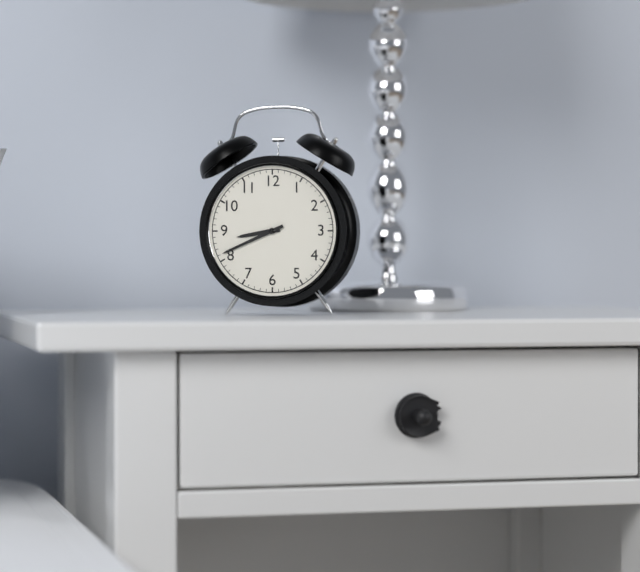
8:41
